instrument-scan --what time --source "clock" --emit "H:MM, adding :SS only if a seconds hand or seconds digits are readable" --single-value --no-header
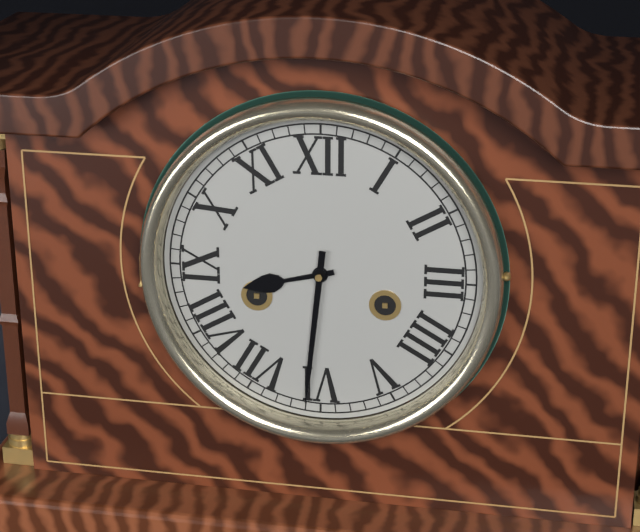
8:31
